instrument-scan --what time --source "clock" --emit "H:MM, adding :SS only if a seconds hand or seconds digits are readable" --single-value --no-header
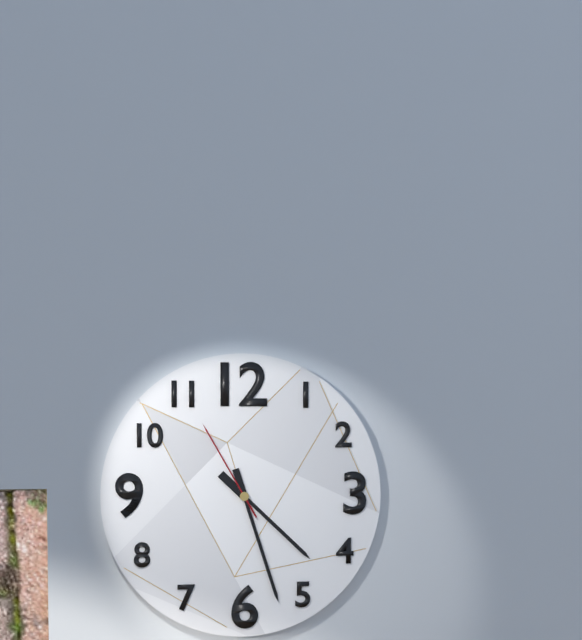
4:27:55
